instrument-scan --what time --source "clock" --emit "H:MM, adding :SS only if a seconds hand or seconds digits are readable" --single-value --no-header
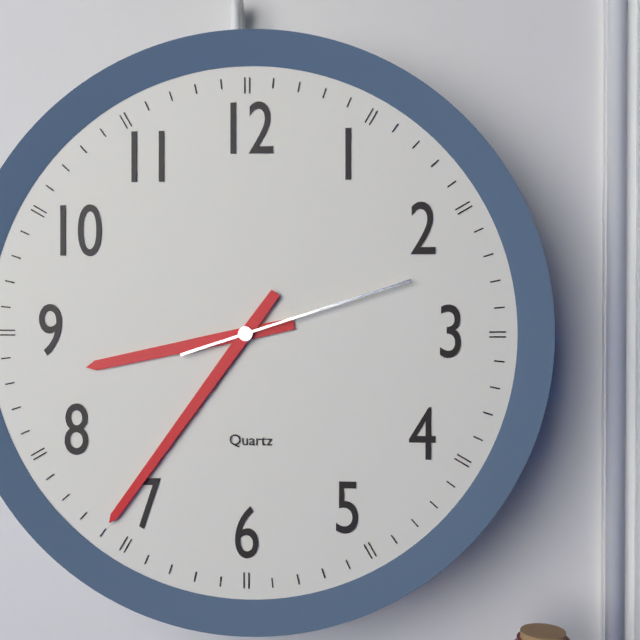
8:36:12
